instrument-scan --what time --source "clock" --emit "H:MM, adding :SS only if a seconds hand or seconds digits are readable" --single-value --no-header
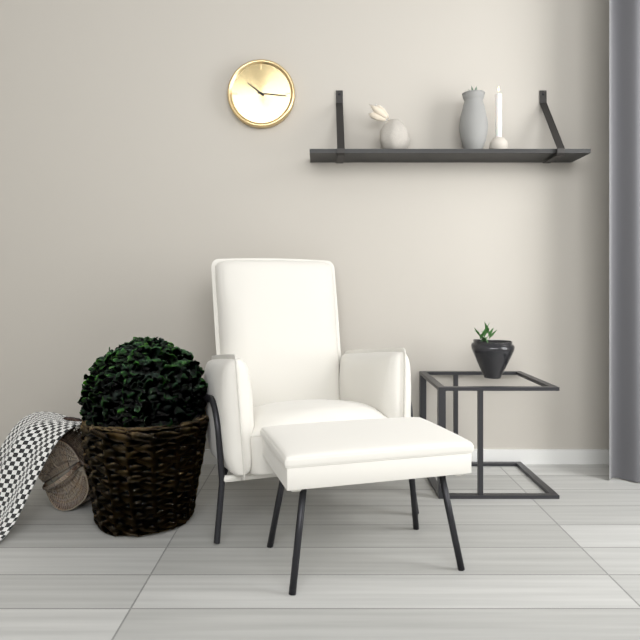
10:16
